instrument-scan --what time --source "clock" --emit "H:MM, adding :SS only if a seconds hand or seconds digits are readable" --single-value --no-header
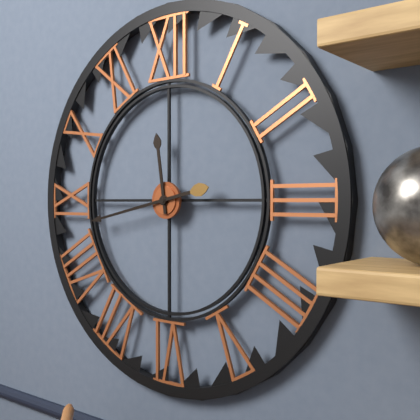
11:43
